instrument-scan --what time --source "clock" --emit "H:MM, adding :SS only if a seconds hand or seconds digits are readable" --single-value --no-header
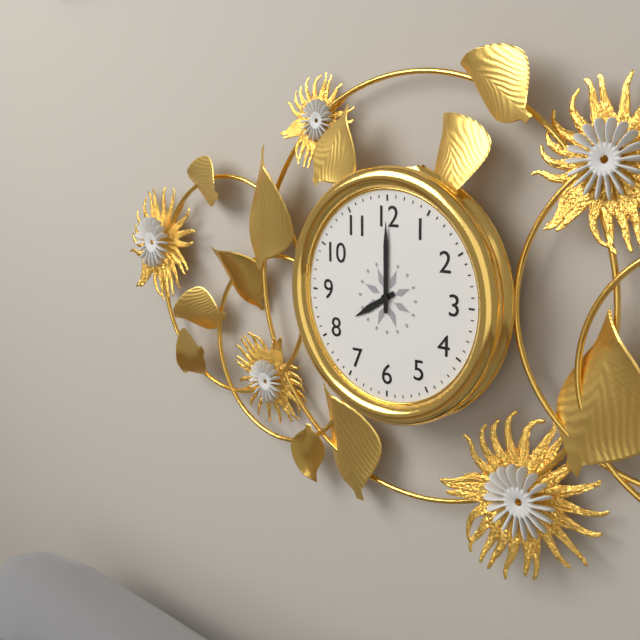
8:00
